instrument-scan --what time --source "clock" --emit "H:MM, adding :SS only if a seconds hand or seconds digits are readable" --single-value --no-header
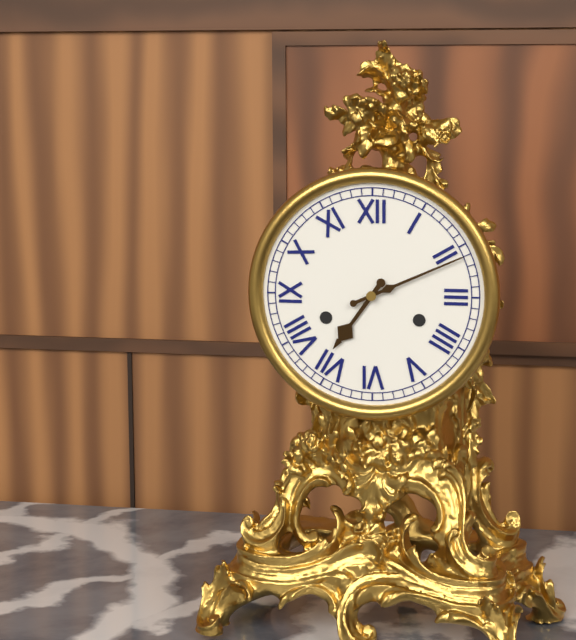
7:11
